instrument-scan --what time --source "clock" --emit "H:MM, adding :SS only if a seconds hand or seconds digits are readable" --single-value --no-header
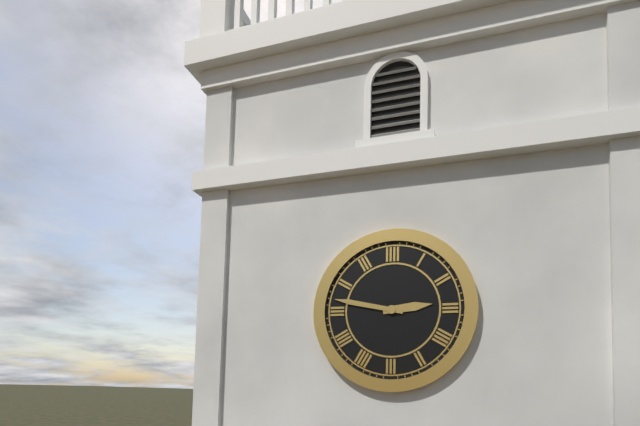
2:47
